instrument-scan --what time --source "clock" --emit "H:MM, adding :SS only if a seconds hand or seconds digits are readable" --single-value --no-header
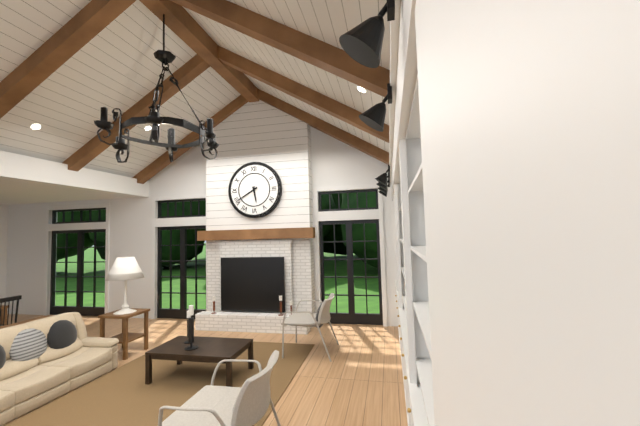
5:40
